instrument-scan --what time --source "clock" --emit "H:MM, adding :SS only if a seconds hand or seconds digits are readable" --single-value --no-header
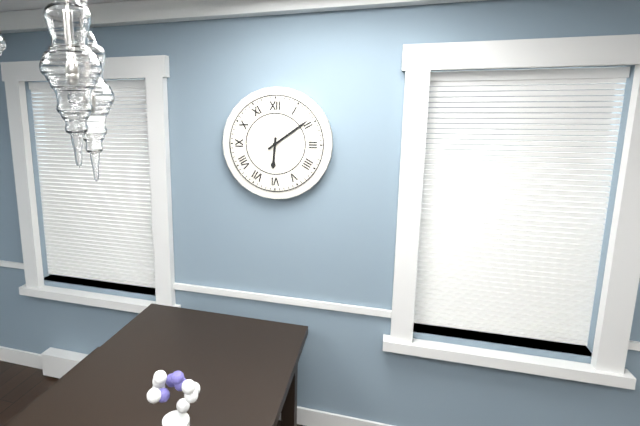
6:09
